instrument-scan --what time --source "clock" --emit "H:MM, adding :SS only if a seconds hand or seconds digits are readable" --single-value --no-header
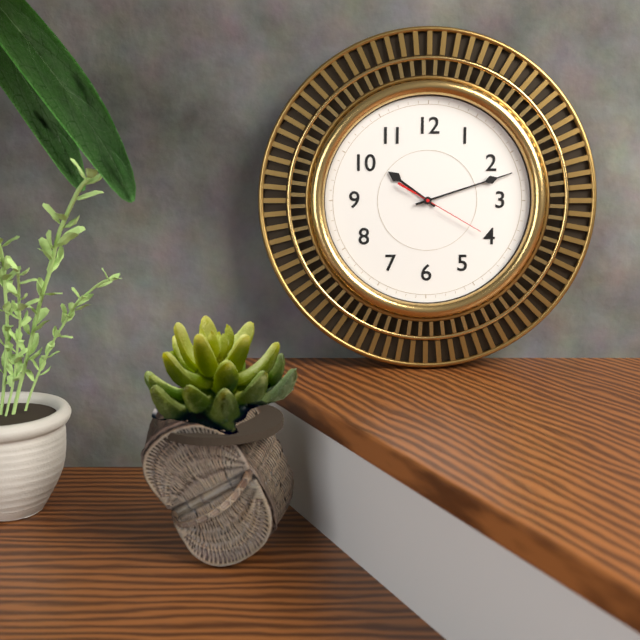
10:12:20
